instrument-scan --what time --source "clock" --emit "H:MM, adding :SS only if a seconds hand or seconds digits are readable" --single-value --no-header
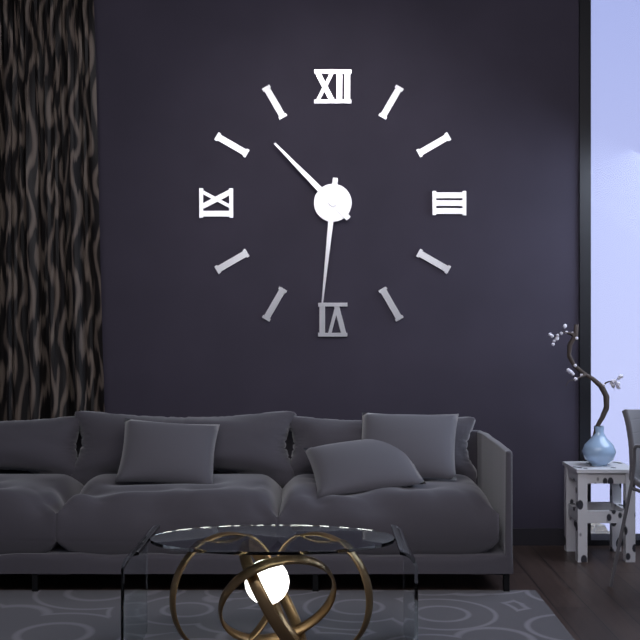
10:31
